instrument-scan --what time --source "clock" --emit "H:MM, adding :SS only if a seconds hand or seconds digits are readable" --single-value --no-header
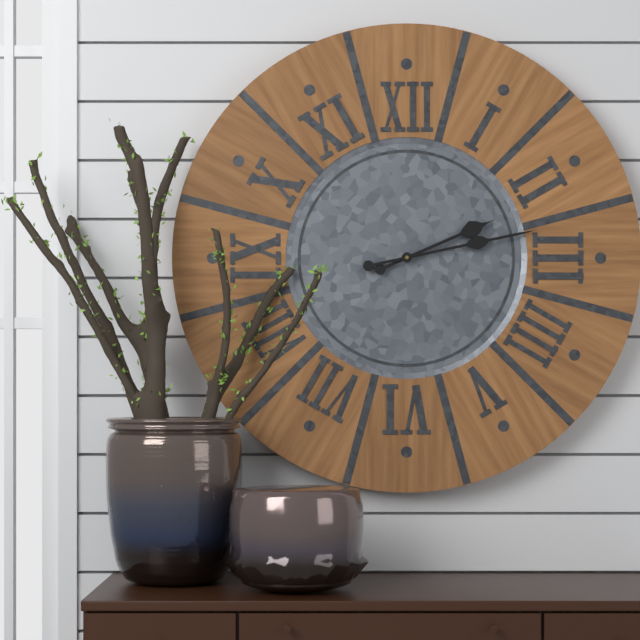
2:13
